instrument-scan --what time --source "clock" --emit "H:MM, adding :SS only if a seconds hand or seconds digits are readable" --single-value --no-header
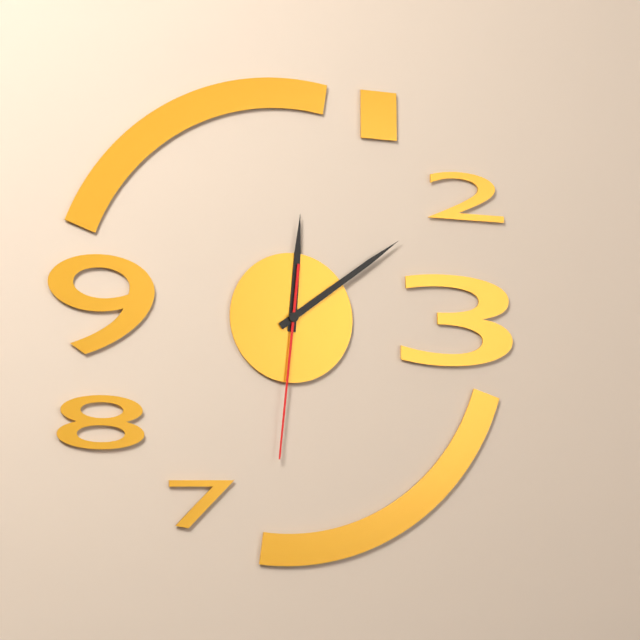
12:09:31
